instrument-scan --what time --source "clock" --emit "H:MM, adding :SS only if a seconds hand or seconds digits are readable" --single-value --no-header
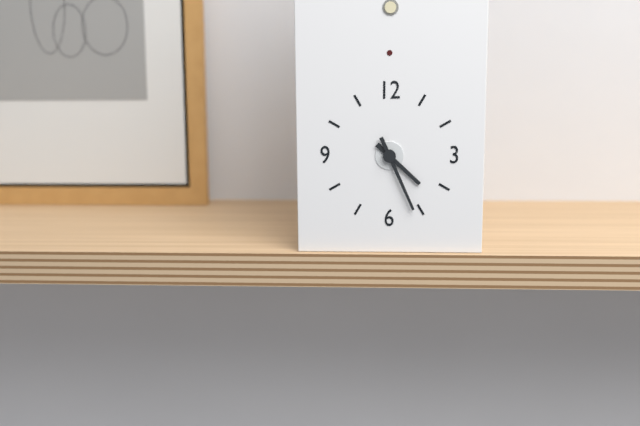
4:26
